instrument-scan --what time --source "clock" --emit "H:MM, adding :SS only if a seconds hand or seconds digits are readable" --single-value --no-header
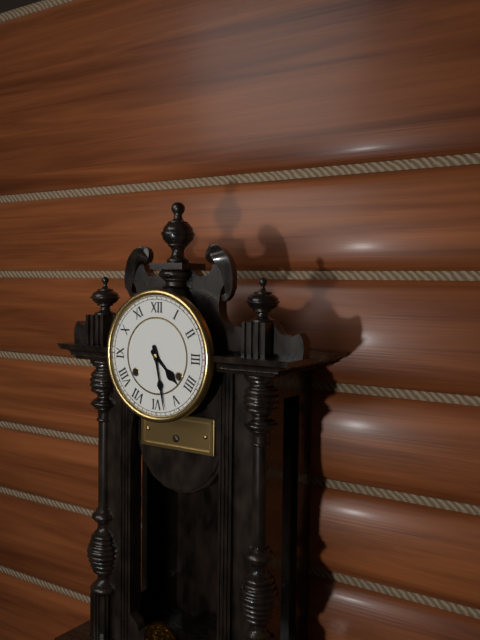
4:28
